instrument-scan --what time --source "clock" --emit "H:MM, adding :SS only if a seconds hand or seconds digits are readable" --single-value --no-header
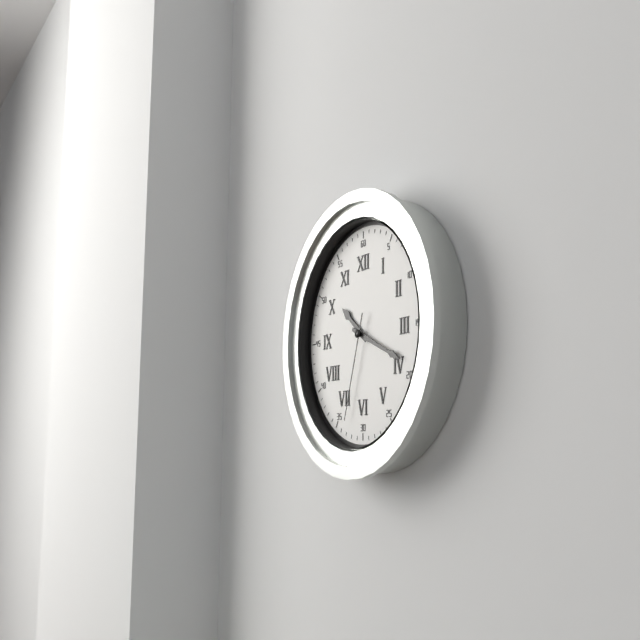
10:19:33
